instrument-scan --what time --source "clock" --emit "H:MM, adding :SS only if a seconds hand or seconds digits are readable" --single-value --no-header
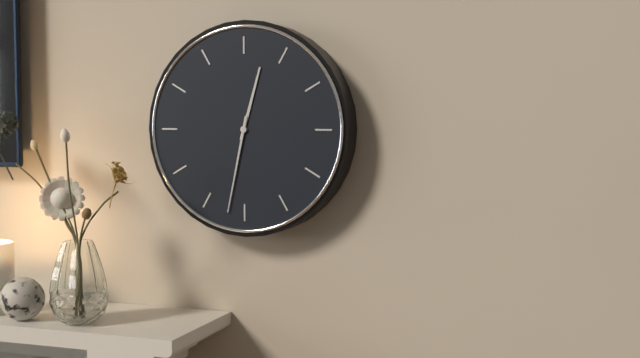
12:32
